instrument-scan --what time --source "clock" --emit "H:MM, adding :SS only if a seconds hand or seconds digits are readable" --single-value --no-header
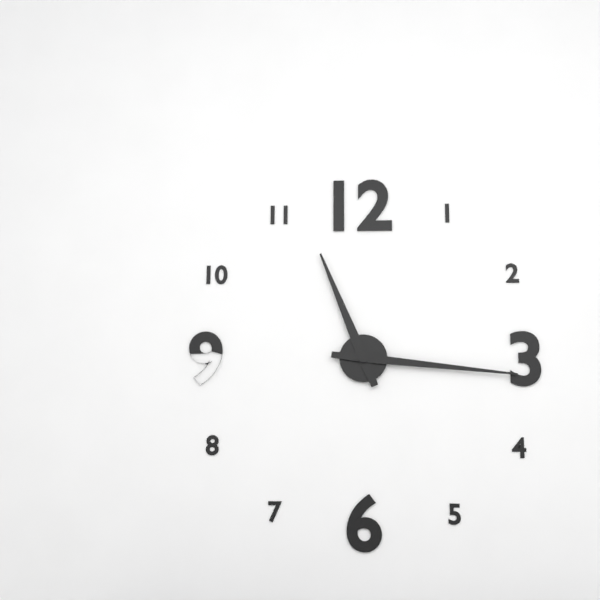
11:16
